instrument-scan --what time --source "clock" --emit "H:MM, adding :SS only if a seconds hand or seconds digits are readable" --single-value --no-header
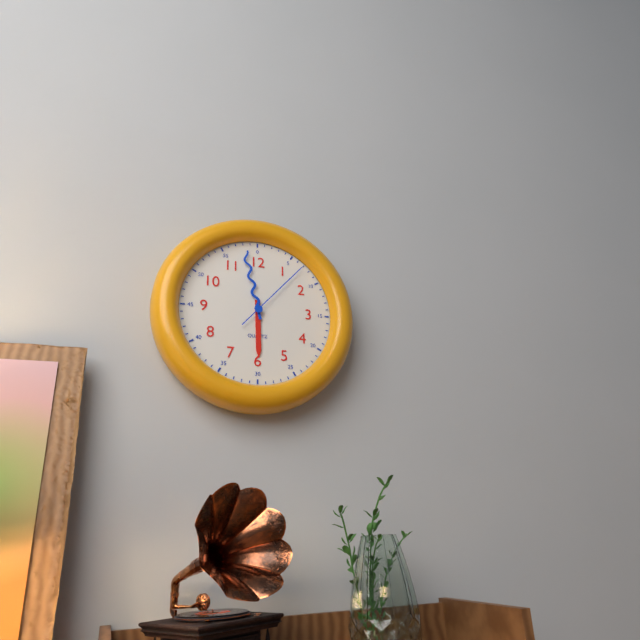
5:58:07
